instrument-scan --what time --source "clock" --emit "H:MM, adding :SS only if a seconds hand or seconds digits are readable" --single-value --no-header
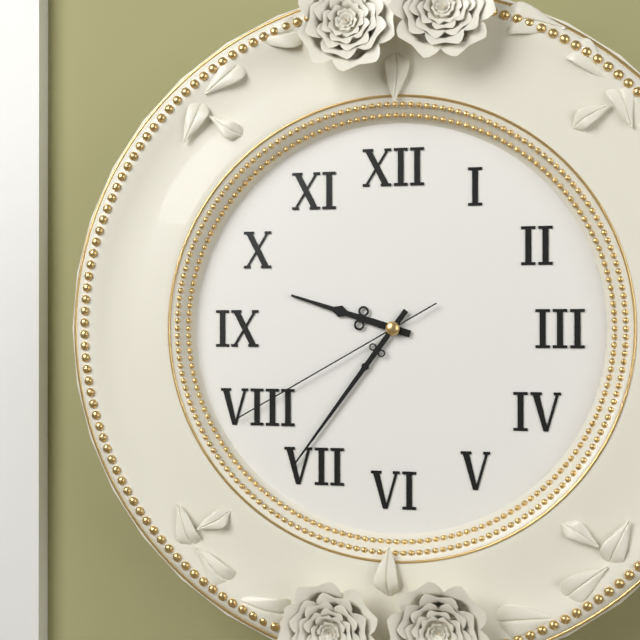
9:36:40
